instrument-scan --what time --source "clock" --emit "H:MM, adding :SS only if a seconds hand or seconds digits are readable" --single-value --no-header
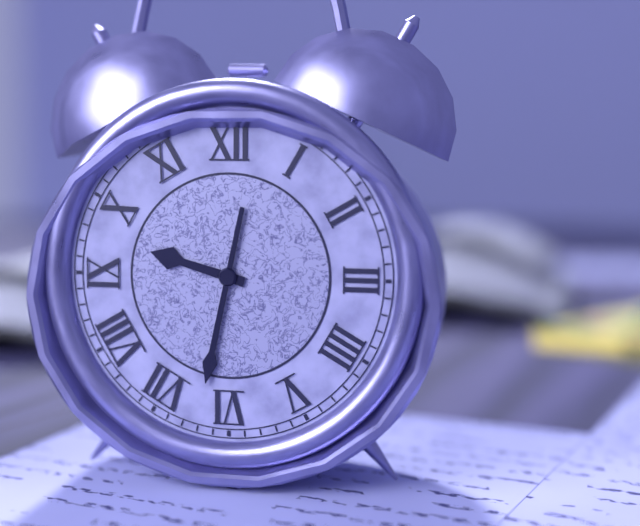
9:32
